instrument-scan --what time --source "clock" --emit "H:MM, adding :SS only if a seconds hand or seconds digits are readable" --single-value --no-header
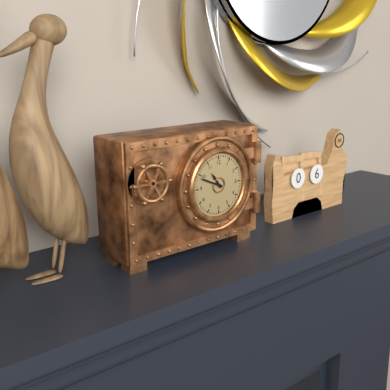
10:49
